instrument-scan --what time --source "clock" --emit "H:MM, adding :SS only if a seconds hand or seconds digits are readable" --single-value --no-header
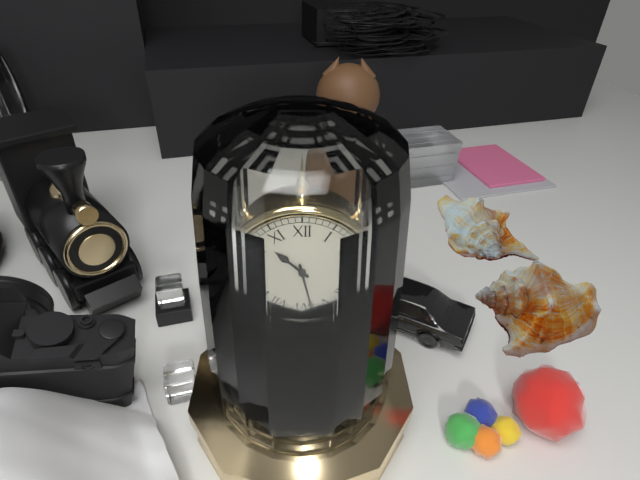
10:28
